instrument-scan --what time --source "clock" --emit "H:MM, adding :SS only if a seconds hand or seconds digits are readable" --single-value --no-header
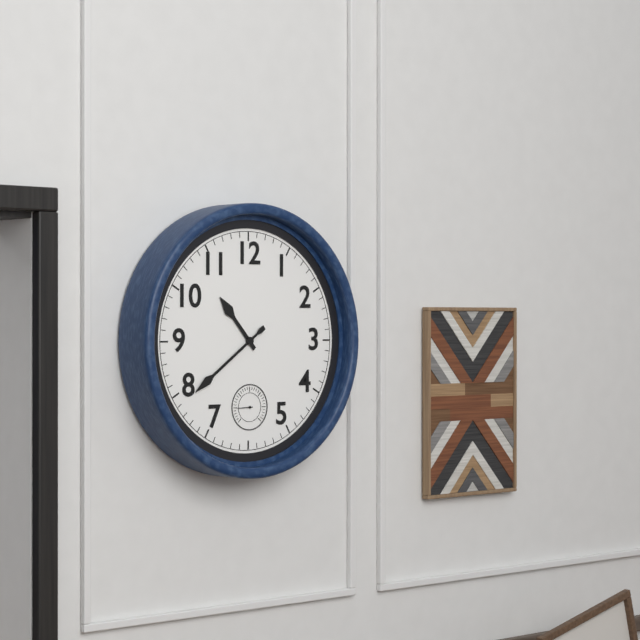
10:39
